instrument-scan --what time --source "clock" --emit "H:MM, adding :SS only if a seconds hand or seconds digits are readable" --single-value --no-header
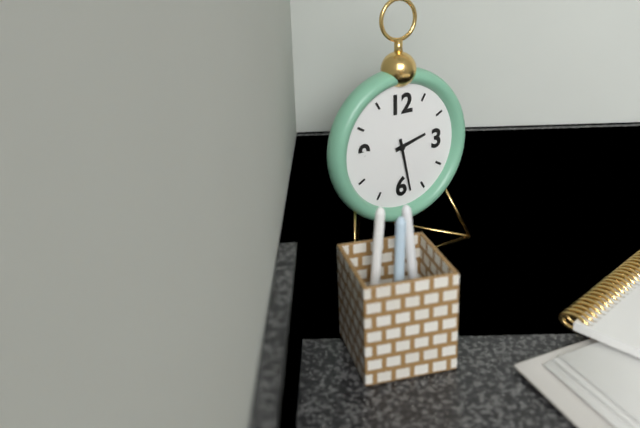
2:28
